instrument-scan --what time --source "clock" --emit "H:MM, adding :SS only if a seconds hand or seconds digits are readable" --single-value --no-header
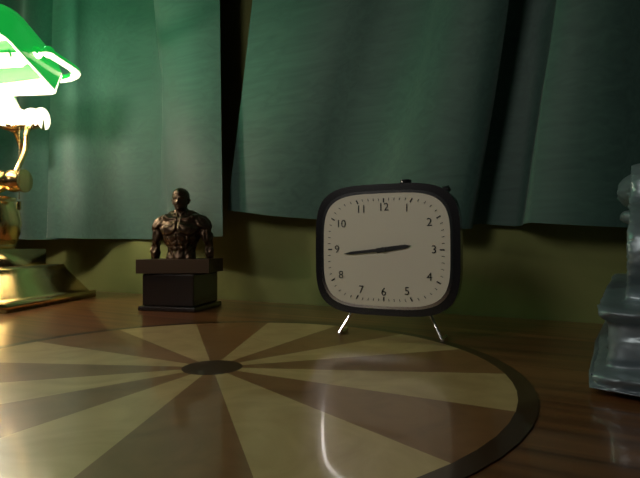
2:44
